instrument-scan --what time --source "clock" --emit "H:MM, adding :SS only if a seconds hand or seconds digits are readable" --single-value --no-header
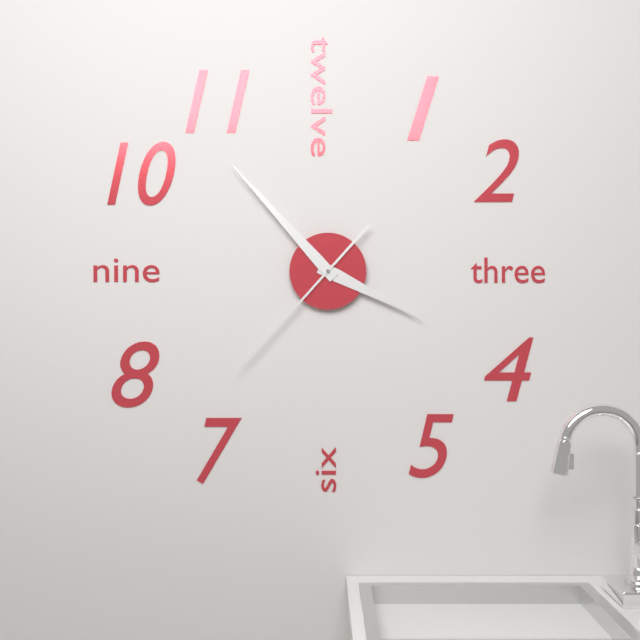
3:53:37
